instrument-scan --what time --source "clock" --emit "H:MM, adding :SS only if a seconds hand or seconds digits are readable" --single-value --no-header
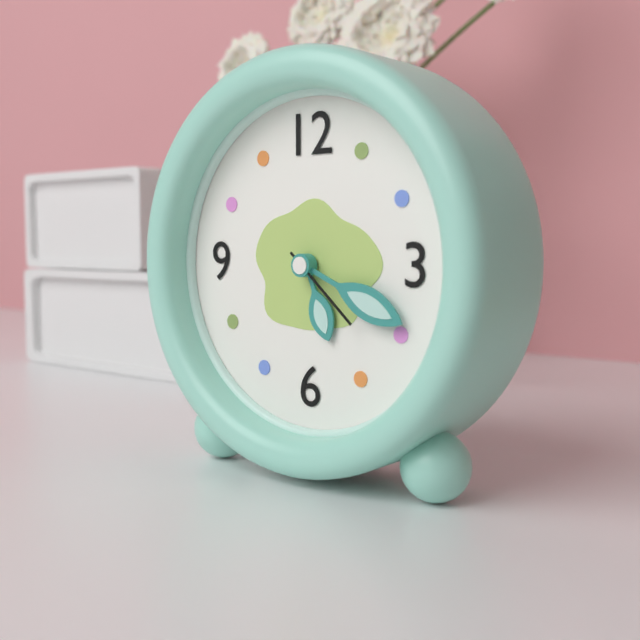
5:19:22
